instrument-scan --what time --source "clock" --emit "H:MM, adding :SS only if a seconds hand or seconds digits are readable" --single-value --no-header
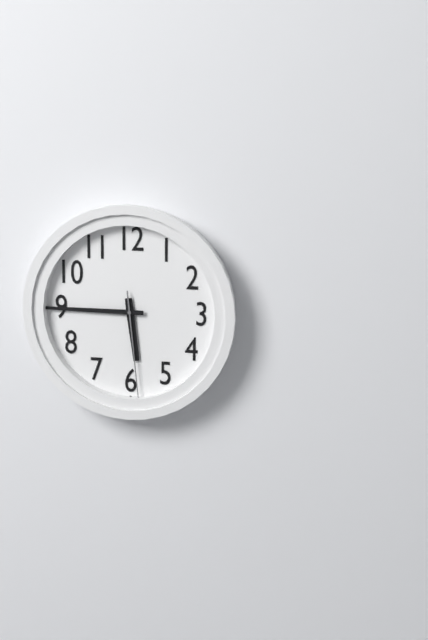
5:45:29
